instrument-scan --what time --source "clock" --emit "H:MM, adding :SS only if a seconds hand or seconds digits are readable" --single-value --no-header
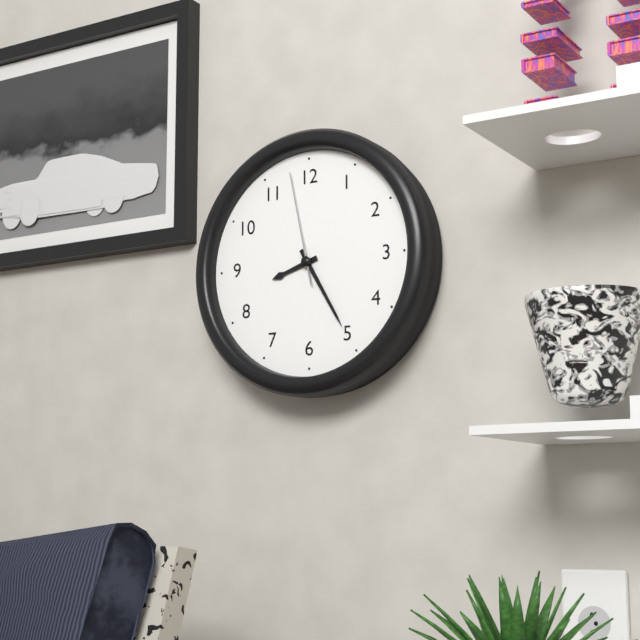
8:25:58
